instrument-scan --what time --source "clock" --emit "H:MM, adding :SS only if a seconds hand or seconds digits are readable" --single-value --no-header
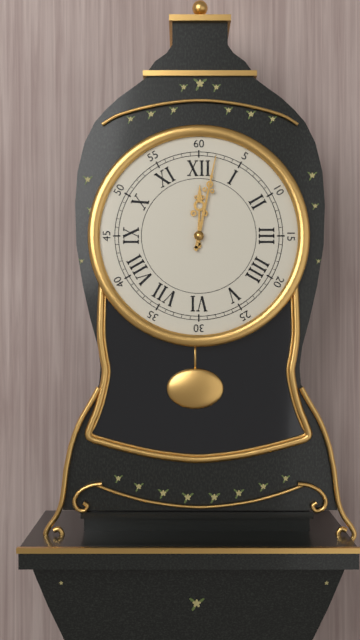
12:02
